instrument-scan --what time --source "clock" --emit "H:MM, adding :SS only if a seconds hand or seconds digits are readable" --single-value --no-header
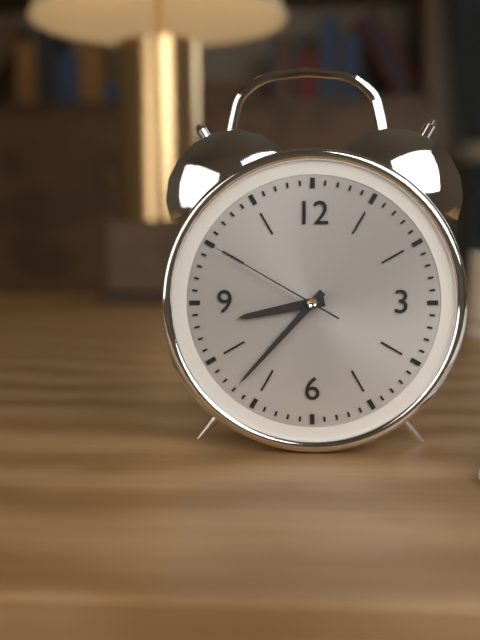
8:37:50
